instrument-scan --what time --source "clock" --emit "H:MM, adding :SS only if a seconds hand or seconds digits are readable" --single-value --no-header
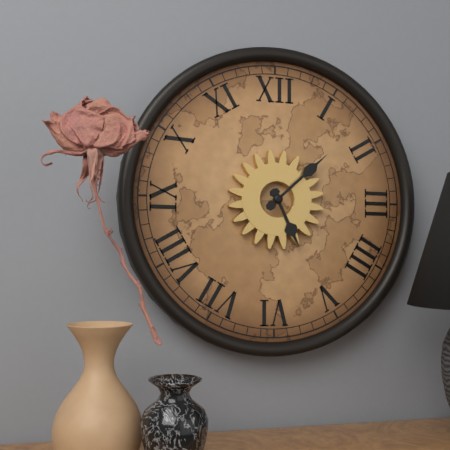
5:08
